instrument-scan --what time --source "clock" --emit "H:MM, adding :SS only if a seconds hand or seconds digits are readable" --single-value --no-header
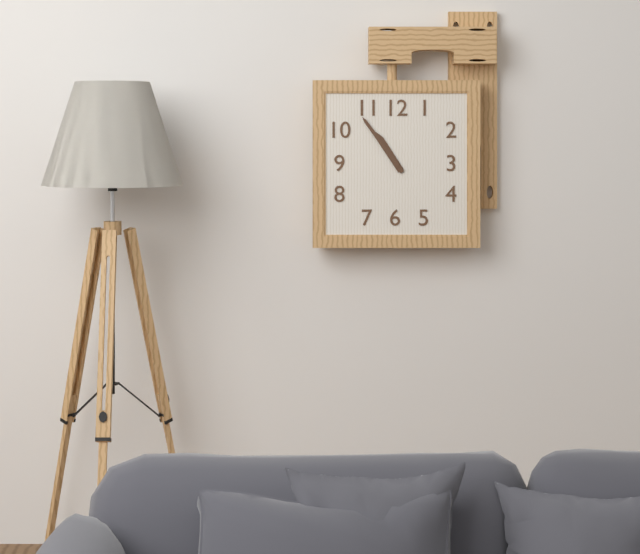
10:54
